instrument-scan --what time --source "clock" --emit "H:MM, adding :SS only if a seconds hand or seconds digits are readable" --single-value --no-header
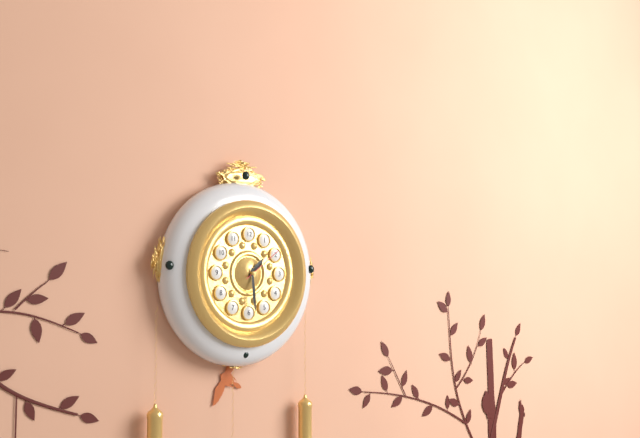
1:29
